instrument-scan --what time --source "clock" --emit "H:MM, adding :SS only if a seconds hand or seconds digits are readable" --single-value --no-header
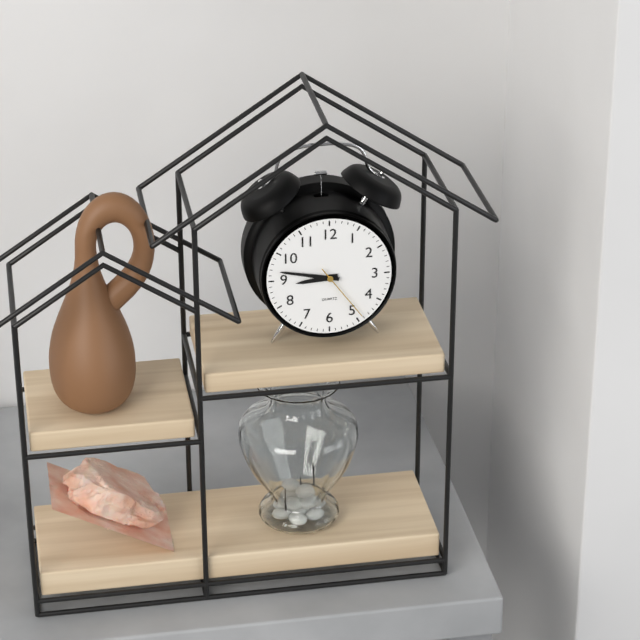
8:47:24
